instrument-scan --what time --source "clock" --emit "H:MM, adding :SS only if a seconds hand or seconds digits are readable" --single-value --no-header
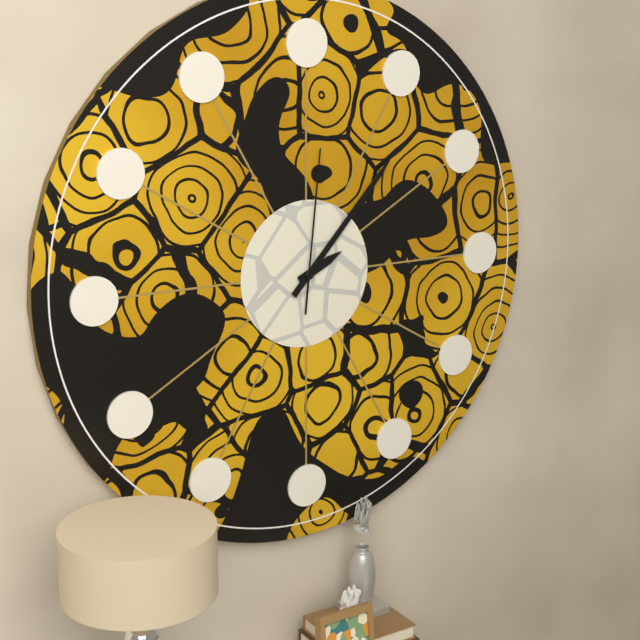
2:07:01
